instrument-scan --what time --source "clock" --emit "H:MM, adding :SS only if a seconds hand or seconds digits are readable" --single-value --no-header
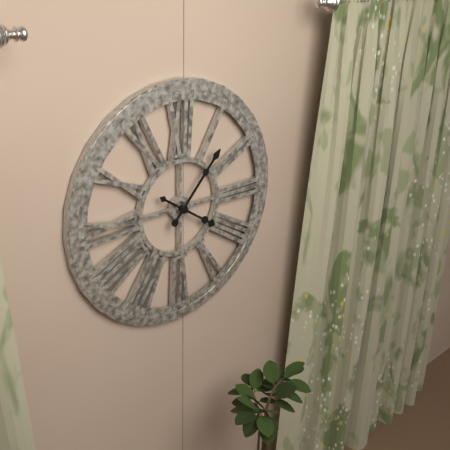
4:07
